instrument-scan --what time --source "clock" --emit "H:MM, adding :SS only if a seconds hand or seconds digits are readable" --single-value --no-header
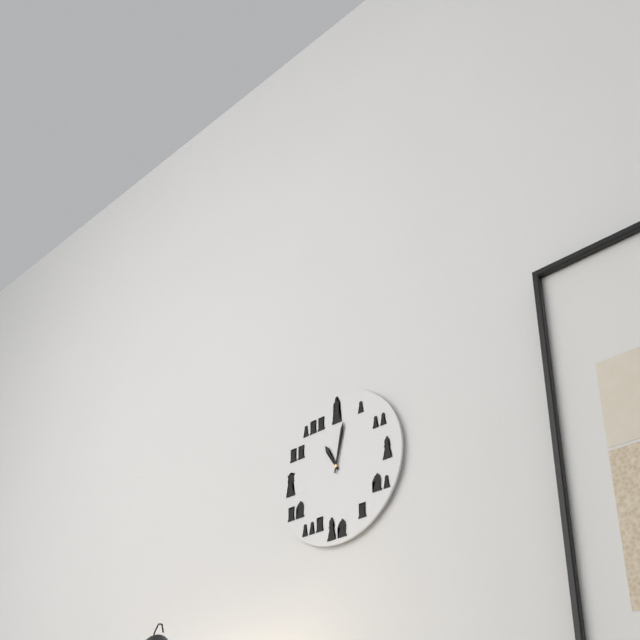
11:02
